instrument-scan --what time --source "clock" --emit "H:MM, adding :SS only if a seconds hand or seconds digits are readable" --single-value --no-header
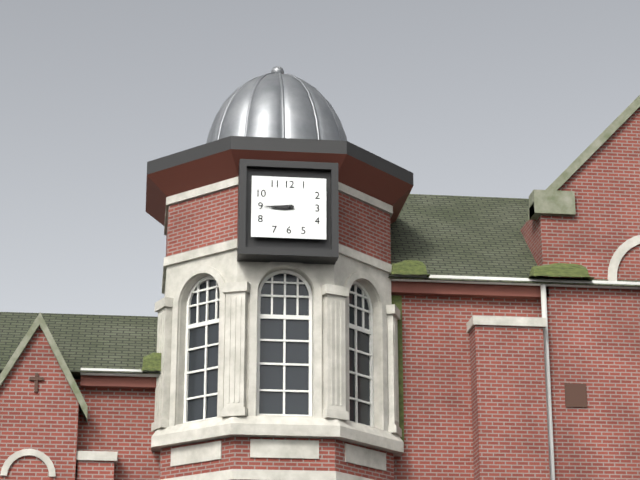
8:45
